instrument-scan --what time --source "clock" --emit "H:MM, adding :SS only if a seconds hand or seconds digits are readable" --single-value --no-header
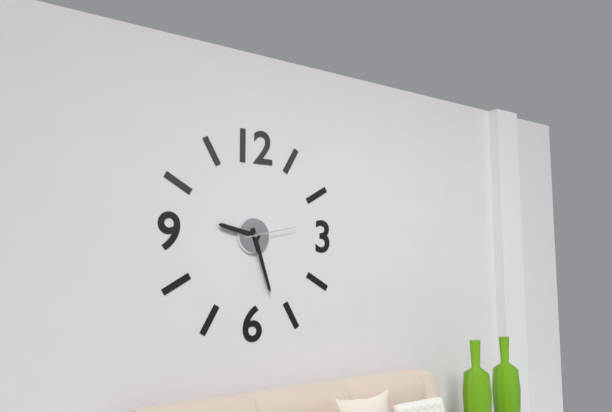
9:27:13
